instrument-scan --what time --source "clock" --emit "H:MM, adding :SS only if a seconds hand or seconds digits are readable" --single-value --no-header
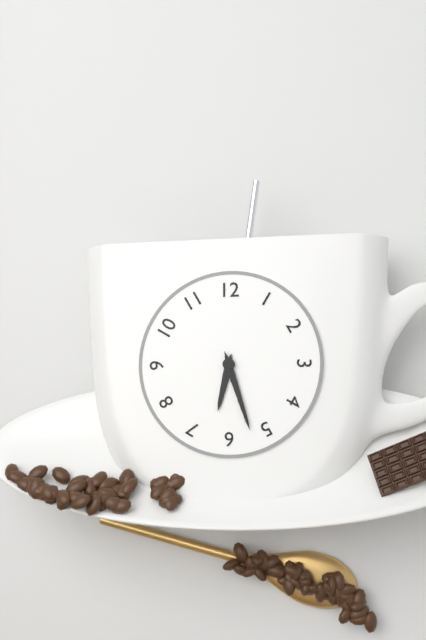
6:27
